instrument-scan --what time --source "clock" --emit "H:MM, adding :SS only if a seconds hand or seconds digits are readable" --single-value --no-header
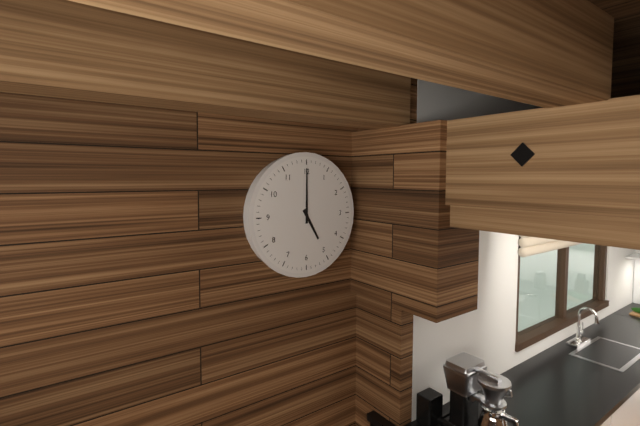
5:00
